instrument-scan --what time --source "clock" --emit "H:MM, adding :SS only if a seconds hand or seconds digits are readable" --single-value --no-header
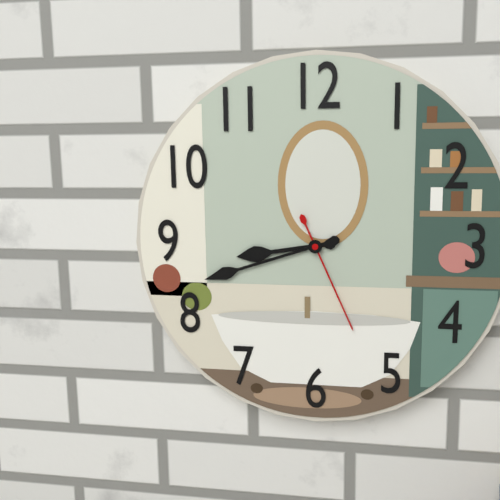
8:42:26
